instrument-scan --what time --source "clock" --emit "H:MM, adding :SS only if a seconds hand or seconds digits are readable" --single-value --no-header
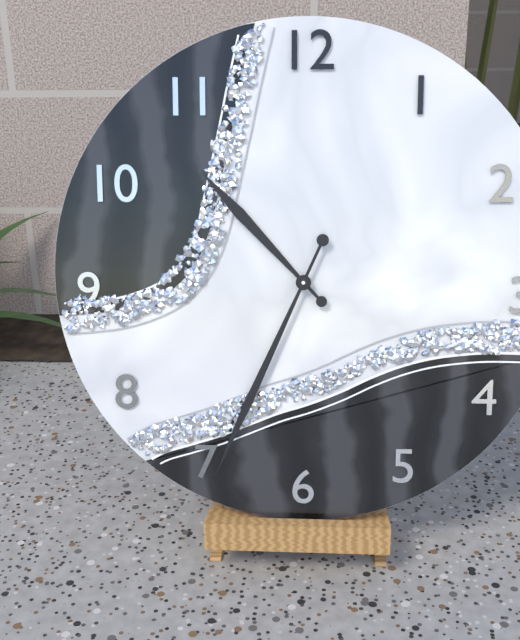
10:34
